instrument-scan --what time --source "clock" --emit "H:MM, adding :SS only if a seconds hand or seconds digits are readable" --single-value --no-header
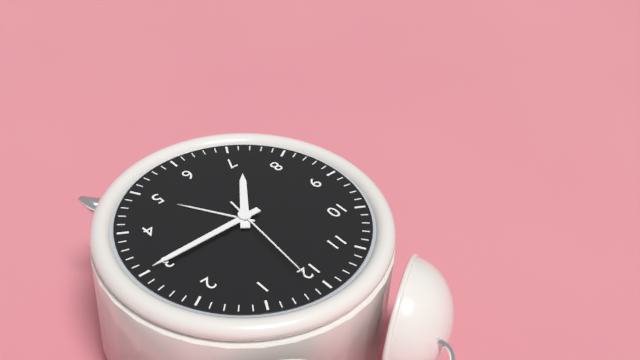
7:15:01
